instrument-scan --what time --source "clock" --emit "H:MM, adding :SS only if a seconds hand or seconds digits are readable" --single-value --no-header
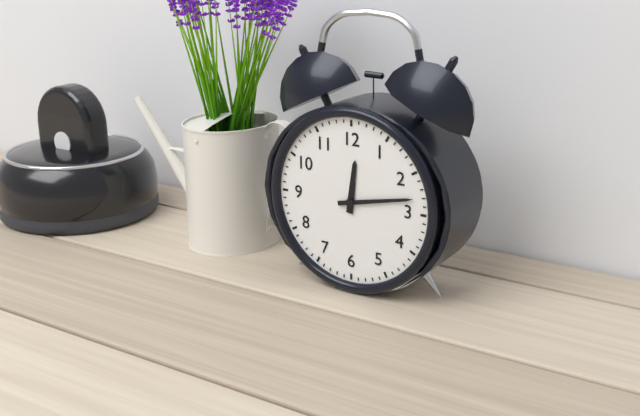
12:13
